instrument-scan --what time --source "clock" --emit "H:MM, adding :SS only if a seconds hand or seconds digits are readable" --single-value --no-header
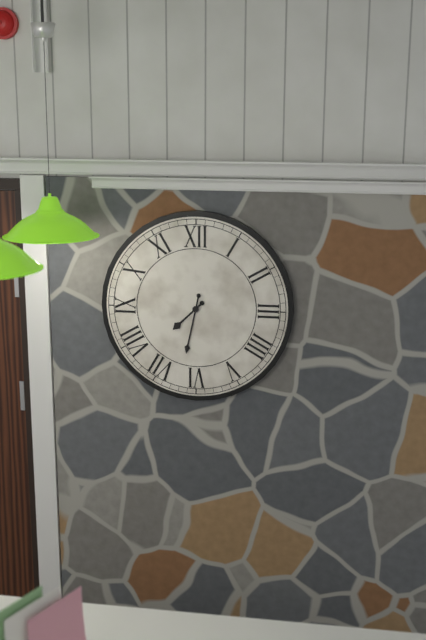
7:32
